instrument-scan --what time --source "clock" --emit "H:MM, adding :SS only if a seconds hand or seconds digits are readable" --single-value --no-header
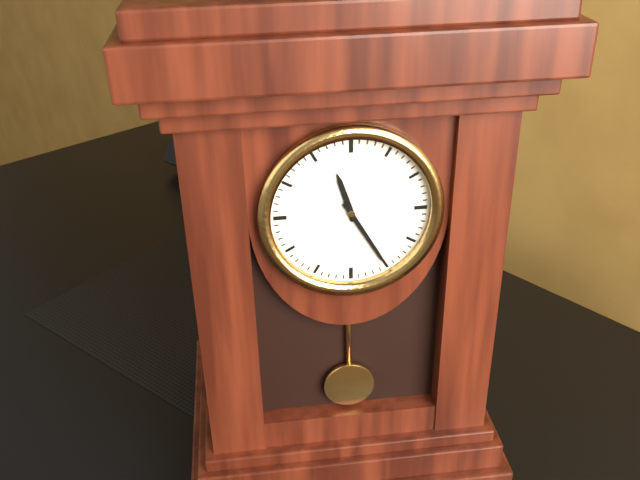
11:25
